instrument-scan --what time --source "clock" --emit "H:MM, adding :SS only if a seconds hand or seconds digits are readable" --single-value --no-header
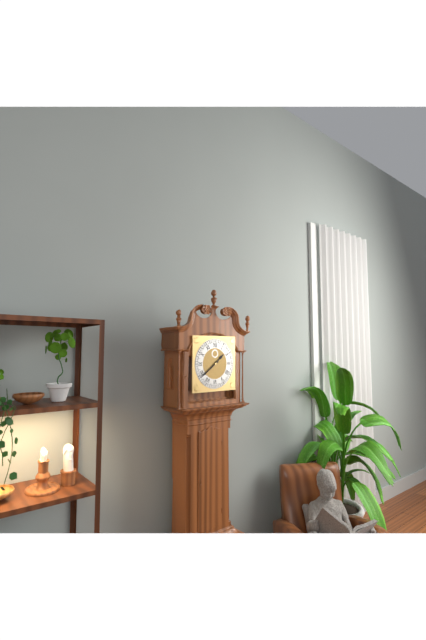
1:39
